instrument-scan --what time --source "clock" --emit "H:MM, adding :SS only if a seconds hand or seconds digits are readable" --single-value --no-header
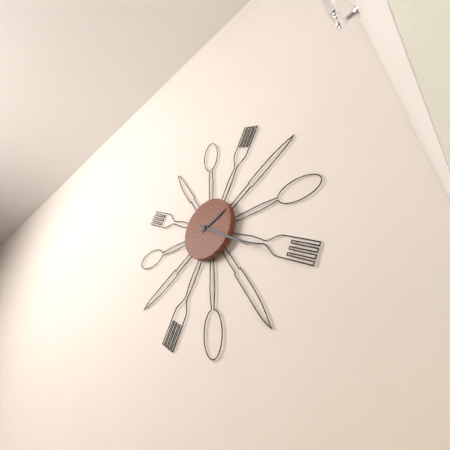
2:21
